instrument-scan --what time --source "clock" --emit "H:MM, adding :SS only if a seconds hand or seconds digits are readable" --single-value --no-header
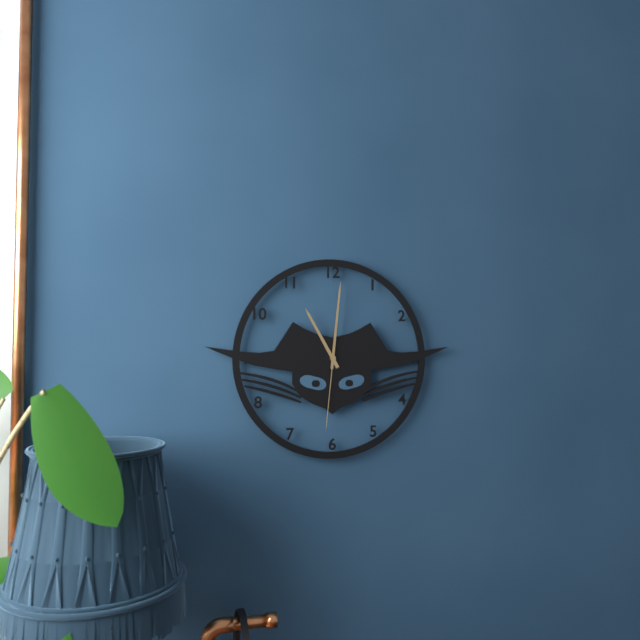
11:01:31
